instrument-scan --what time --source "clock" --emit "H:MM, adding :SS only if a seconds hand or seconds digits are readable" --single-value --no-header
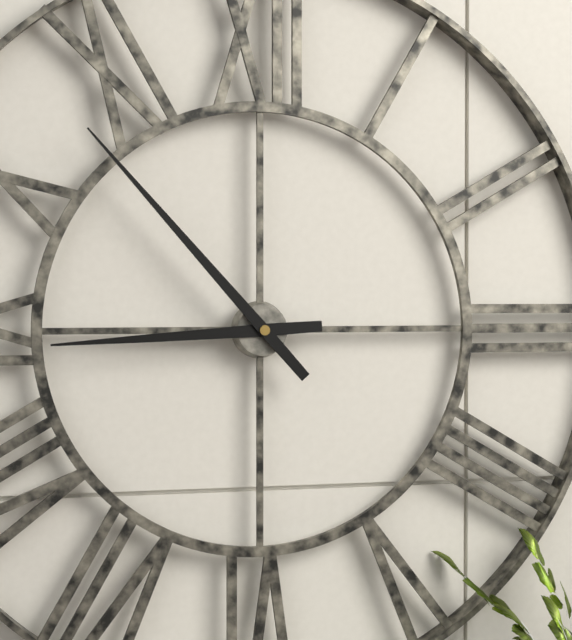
8:53
